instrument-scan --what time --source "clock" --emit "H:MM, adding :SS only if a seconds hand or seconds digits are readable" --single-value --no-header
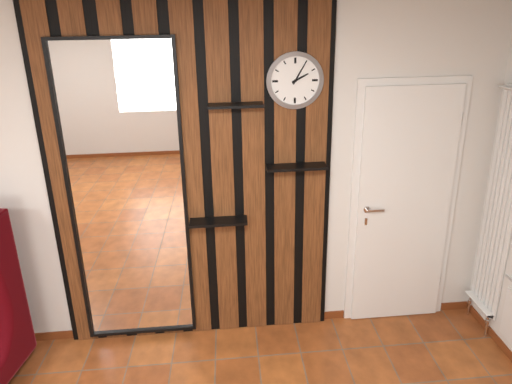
2:05
